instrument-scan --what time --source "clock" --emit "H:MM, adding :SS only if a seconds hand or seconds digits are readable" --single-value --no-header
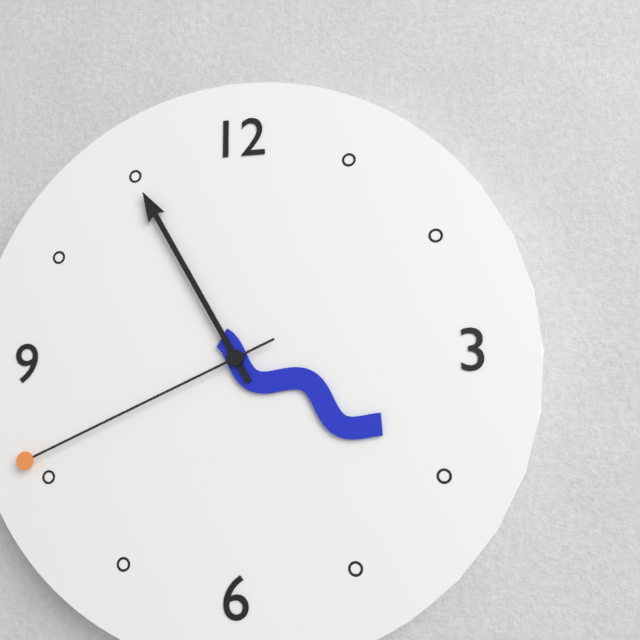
3:55:41
